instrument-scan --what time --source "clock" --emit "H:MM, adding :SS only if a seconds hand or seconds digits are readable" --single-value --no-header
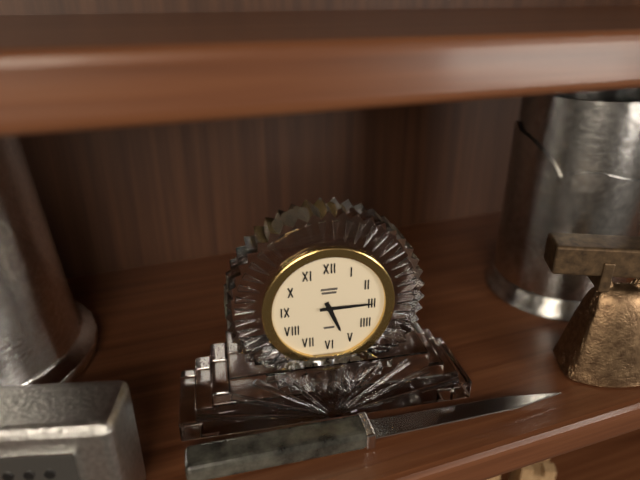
5:15
